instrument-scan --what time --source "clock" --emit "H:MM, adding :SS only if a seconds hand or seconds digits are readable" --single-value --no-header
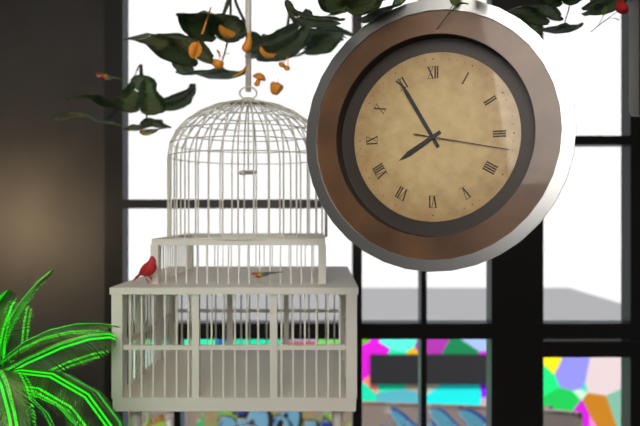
7:55:17
